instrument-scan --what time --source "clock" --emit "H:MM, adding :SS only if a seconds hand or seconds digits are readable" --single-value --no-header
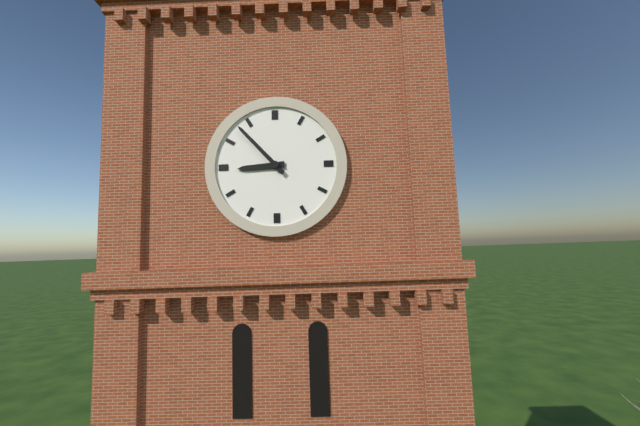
8:53
